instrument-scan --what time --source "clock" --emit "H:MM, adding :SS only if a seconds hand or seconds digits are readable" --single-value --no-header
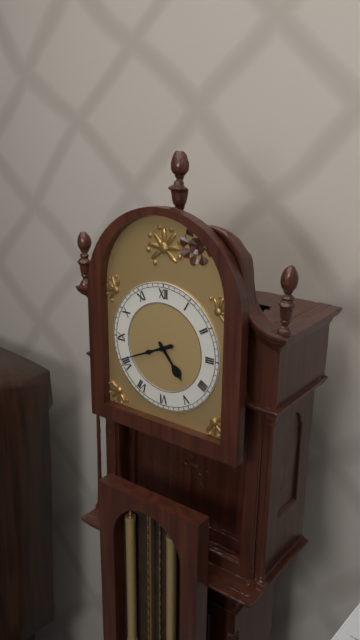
4:41
